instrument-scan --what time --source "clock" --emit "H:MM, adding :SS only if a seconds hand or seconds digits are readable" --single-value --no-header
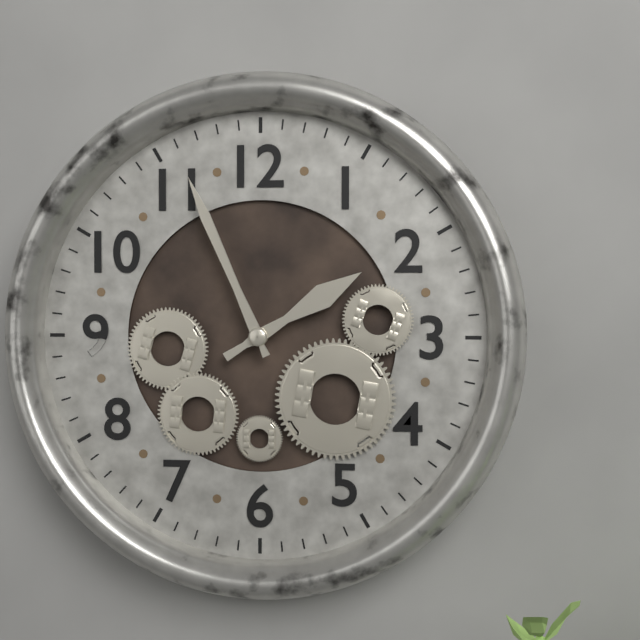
1:56
